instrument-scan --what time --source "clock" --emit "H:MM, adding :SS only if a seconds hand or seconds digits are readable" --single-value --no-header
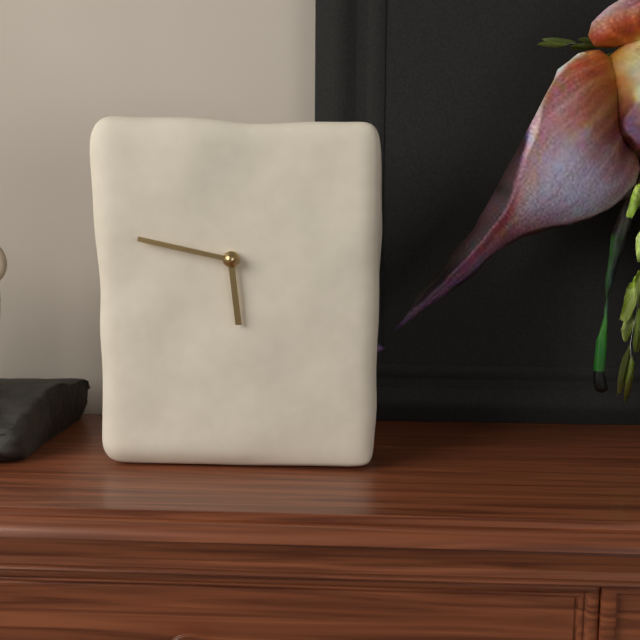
5:47
